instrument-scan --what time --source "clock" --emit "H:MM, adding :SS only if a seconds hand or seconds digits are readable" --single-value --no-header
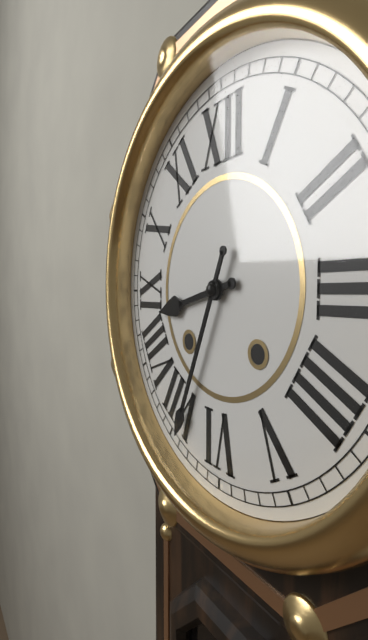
8:34
